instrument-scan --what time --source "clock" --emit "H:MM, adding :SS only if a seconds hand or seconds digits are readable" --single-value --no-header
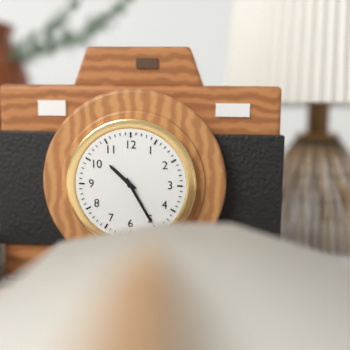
10:25
